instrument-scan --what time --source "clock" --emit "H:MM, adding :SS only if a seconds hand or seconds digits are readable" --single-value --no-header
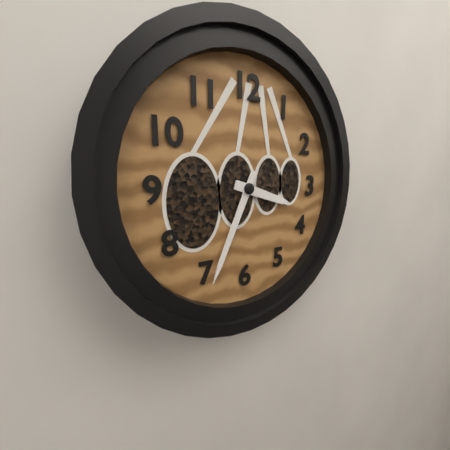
3:34
